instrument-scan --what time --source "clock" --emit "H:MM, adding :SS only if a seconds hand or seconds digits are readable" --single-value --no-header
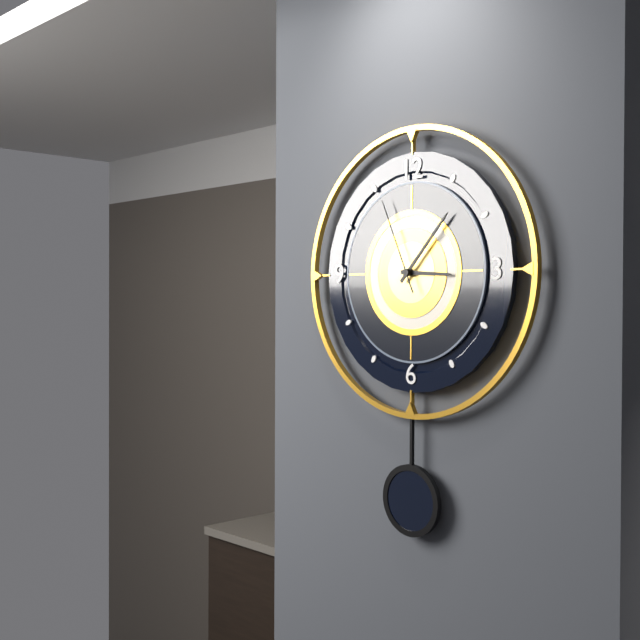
3:07:56
